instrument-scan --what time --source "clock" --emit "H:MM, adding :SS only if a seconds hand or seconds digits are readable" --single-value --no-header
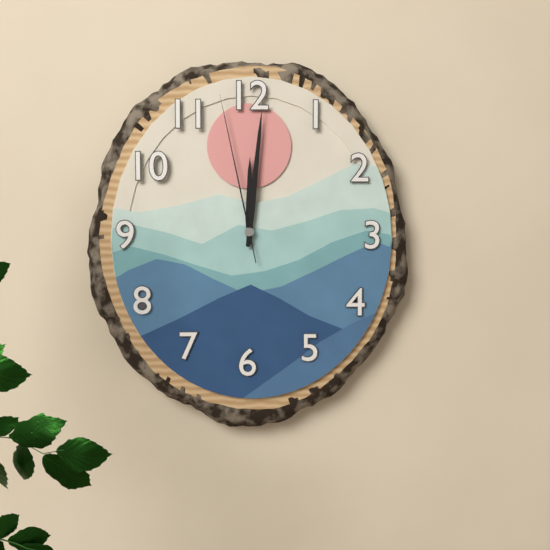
12:01:58
